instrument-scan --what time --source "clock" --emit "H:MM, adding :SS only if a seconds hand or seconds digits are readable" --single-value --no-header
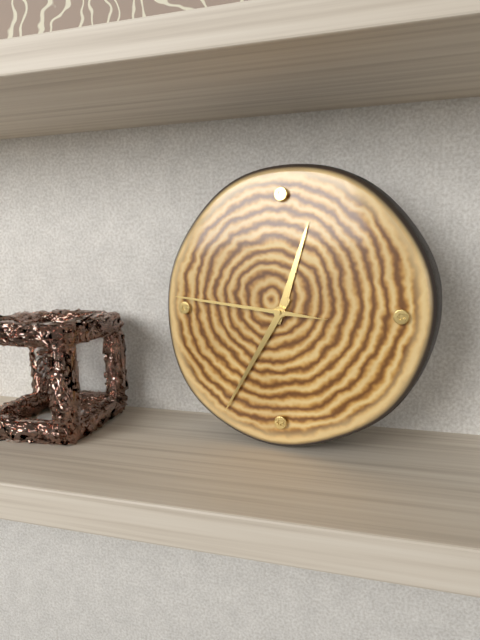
12:35:46
